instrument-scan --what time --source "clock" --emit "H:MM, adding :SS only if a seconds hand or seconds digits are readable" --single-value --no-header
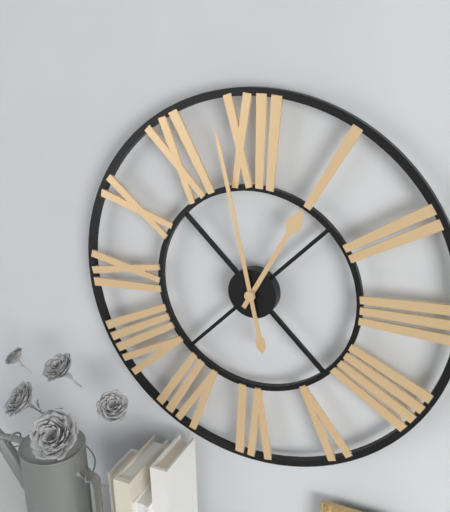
12:58
